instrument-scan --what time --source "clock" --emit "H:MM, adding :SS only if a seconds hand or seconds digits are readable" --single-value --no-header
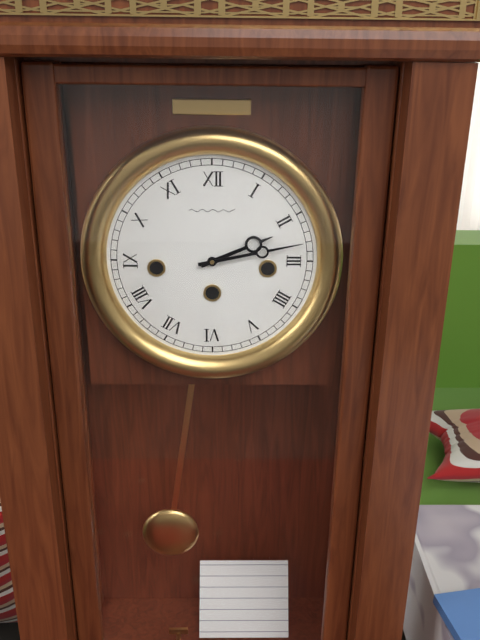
2:13
